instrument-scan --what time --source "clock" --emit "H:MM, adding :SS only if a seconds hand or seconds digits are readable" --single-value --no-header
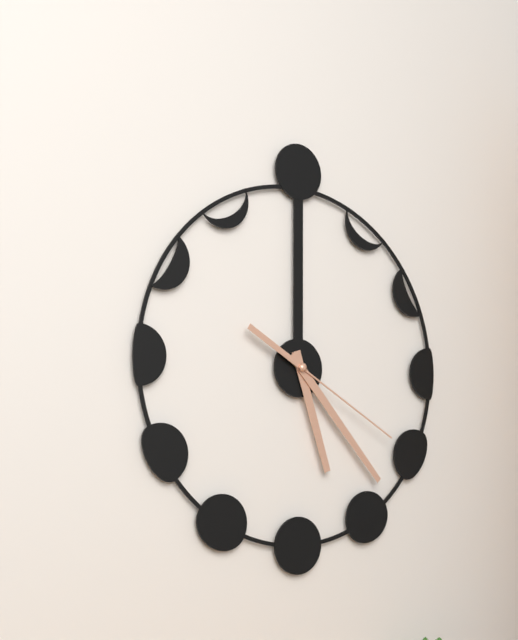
5:23:20
